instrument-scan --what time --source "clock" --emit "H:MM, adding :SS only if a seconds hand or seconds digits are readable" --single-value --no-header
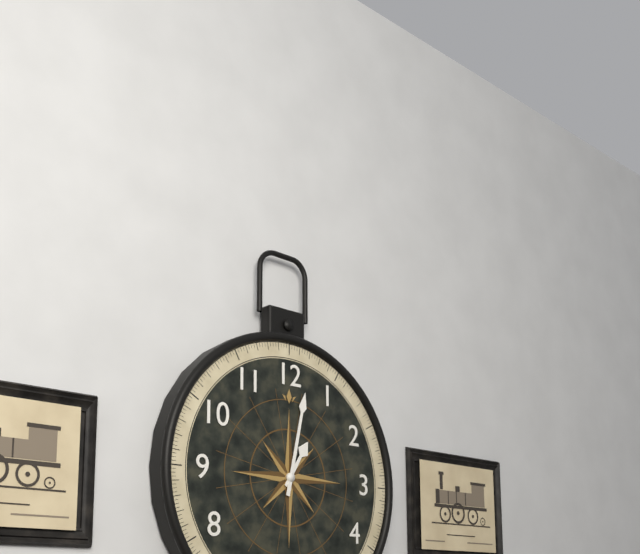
1:02
